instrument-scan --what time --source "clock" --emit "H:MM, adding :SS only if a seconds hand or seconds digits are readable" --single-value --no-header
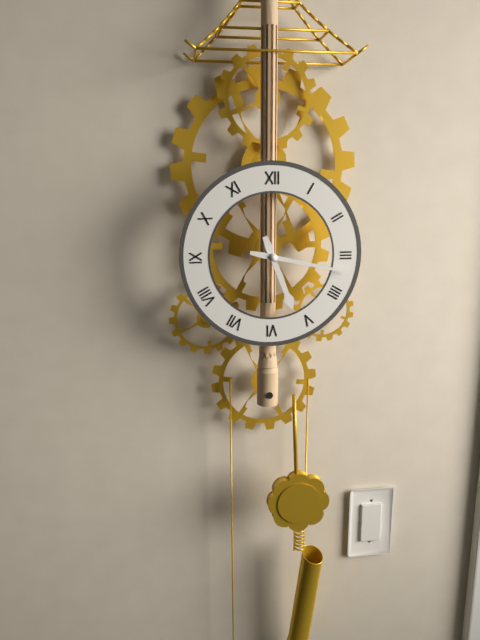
5:17
